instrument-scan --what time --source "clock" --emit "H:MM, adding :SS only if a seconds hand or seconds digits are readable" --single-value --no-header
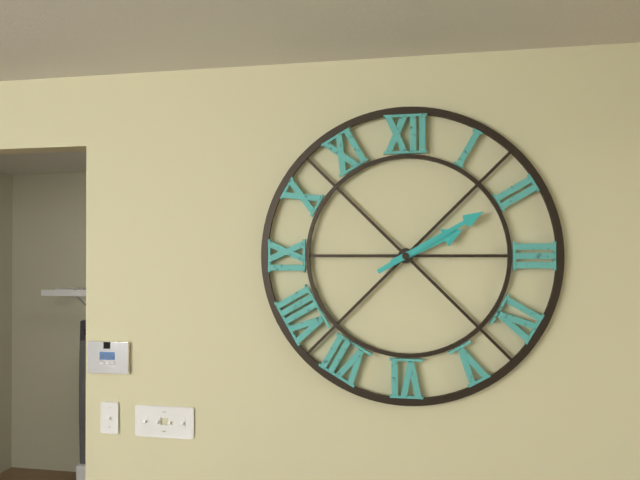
2:10
